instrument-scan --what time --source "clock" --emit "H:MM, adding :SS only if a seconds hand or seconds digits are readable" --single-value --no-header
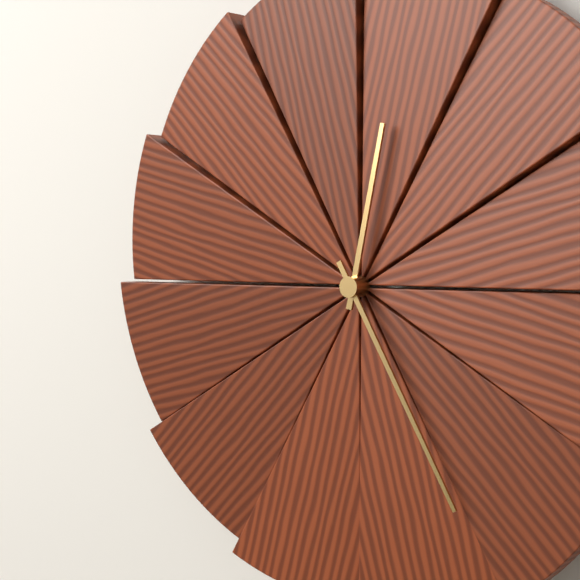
12:25
